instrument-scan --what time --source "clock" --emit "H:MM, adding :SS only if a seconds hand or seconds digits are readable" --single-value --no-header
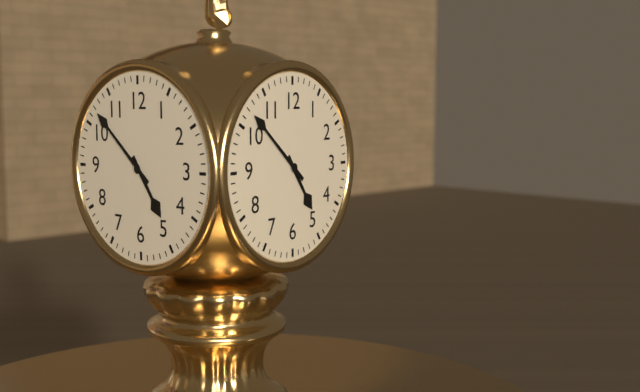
4:52
